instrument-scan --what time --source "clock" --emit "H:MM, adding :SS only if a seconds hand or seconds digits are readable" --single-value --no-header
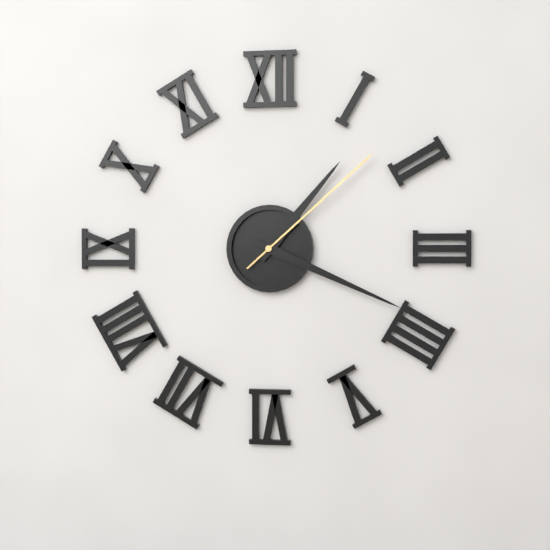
1:19:08
